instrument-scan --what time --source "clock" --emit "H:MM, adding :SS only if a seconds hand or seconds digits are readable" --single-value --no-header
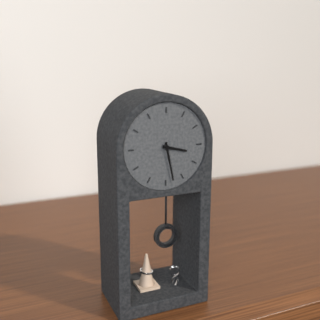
3:28
